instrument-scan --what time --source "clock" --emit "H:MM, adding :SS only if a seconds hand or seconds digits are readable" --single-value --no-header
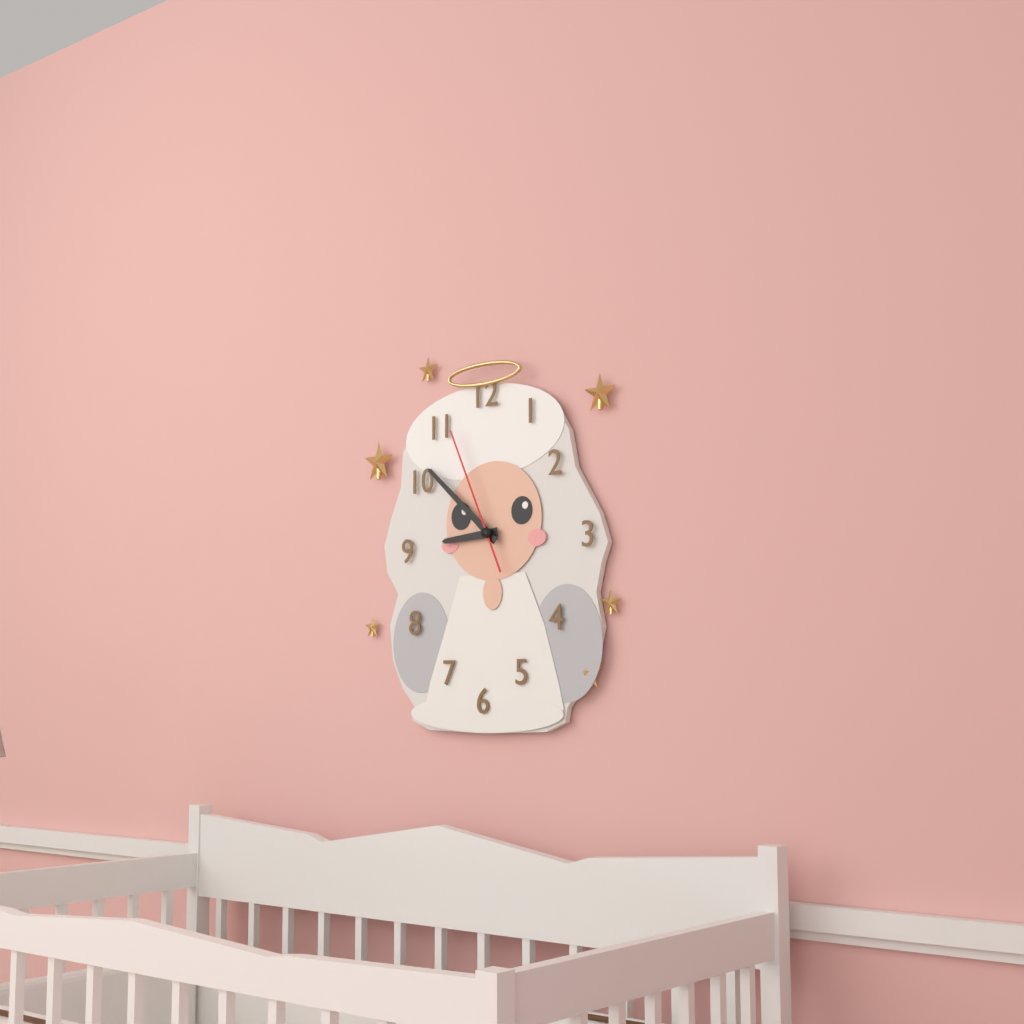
8:52:56
